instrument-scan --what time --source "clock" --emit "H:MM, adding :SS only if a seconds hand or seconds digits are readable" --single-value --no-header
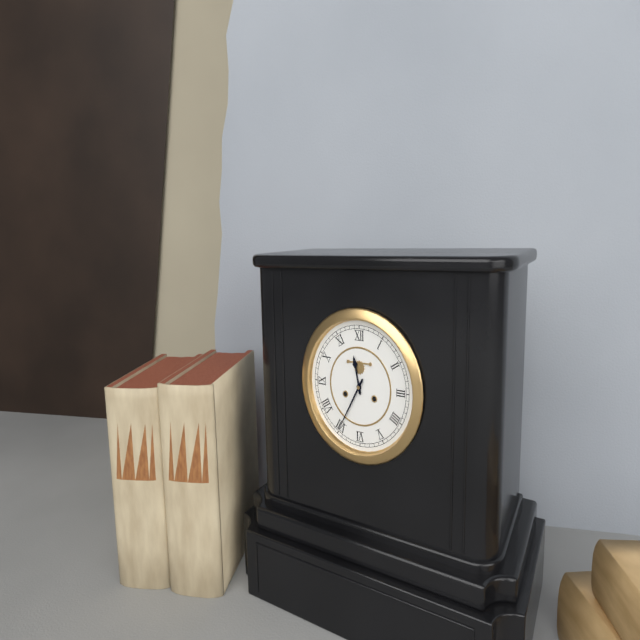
11:35
